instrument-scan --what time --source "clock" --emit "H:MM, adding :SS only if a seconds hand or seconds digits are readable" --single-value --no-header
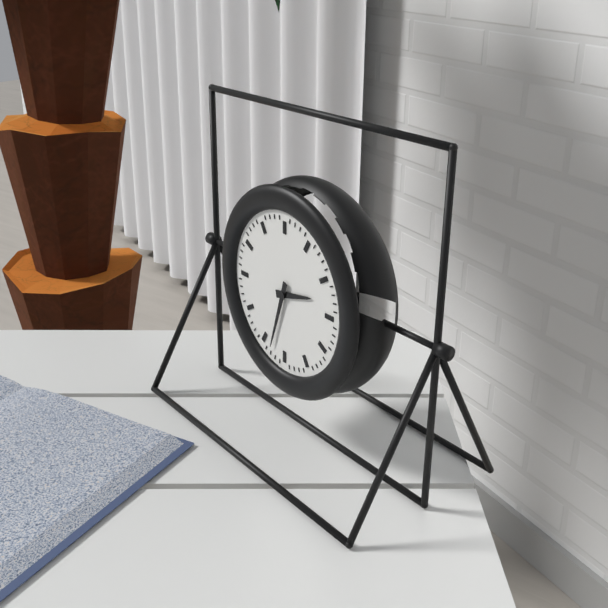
2:33
